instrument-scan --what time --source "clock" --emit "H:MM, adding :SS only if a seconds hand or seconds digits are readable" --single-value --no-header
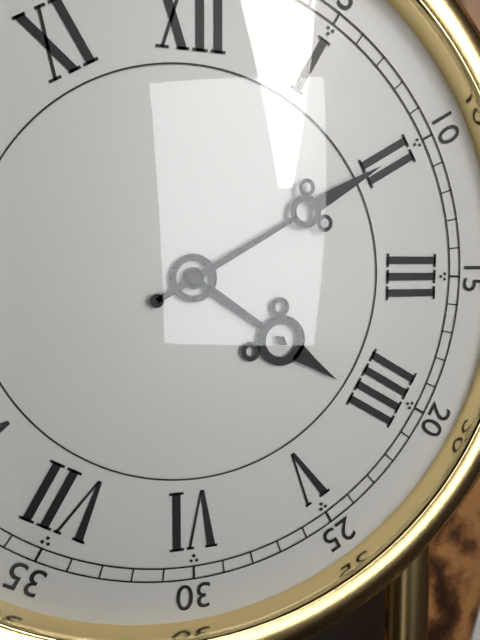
4:10
